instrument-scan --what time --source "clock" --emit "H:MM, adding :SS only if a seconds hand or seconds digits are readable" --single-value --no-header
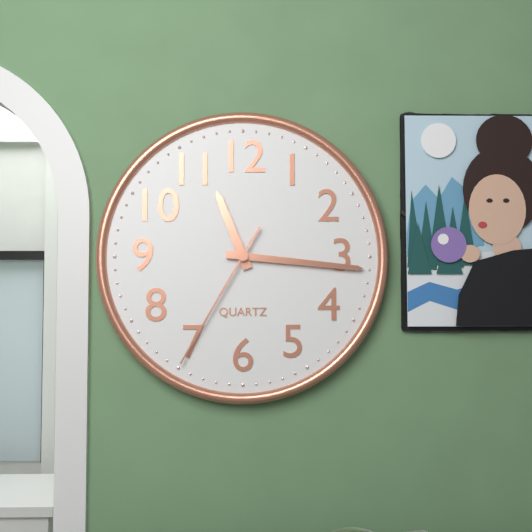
11:16:35
